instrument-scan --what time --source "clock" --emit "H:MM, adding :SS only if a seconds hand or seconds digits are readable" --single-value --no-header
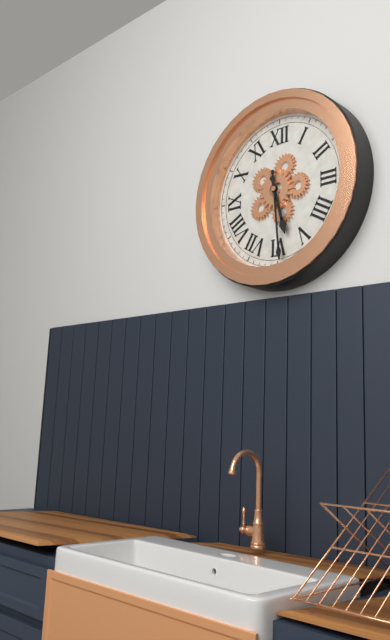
5:29
